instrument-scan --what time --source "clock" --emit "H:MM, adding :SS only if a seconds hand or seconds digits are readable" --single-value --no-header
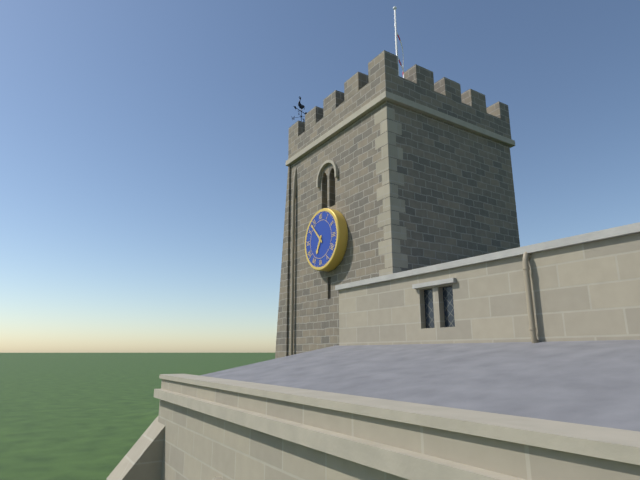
6:53
